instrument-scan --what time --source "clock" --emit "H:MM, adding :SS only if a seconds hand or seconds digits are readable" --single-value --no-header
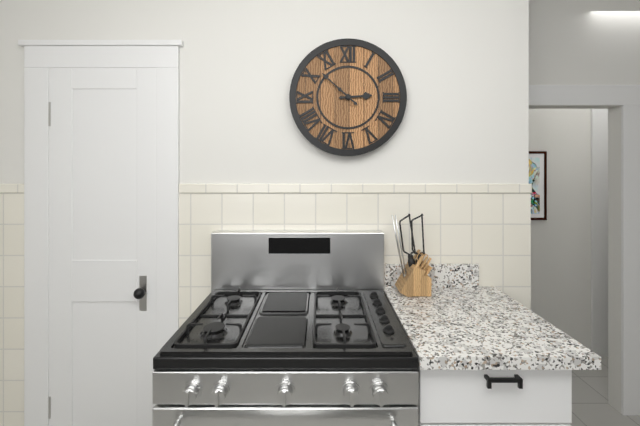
2:52
